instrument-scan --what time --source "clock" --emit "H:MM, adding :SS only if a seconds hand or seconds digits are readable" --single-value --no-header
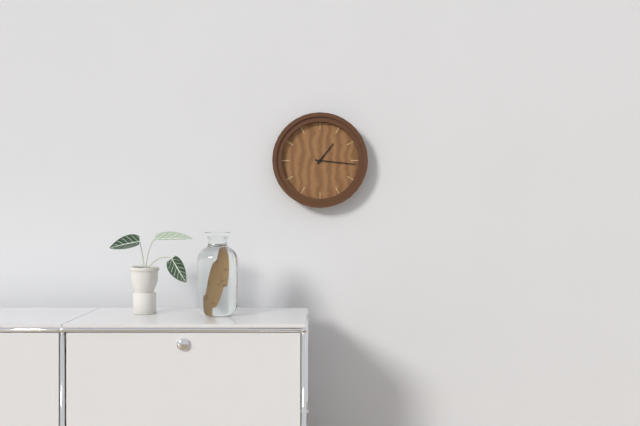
1:16
